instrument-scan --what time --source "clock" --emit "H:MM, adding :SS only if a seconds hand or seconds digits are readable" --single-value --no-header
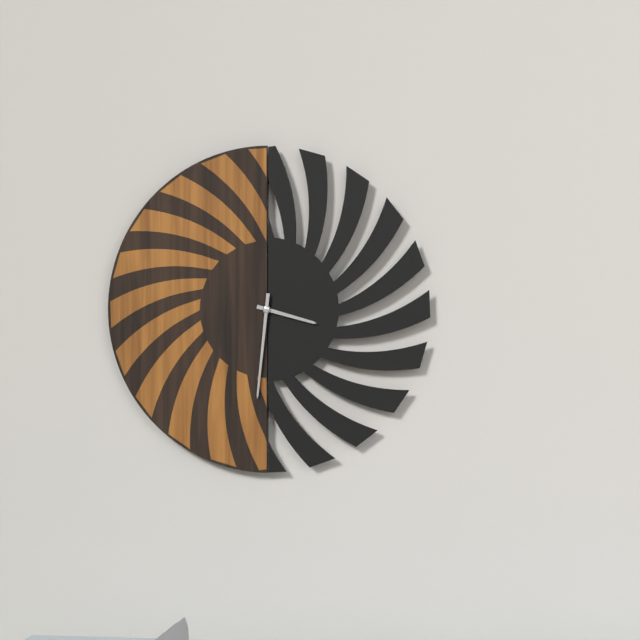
3:31
